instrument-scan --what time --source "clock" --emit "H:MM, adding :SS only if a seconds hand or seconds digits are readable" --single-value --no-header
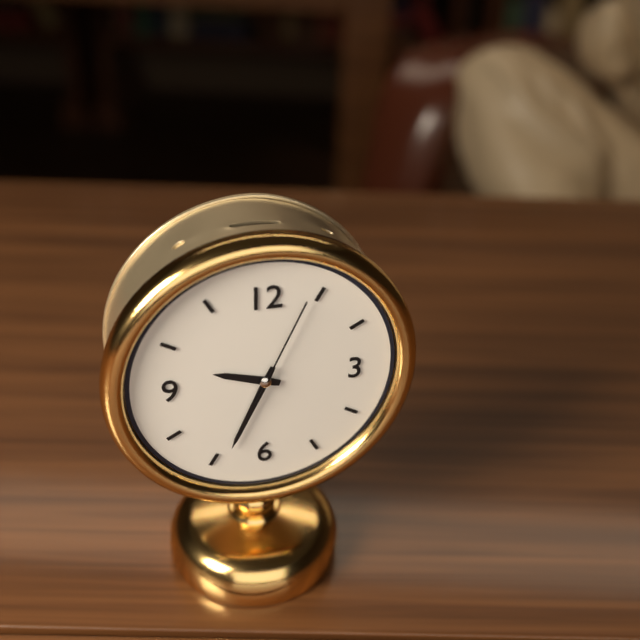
9:34:04
